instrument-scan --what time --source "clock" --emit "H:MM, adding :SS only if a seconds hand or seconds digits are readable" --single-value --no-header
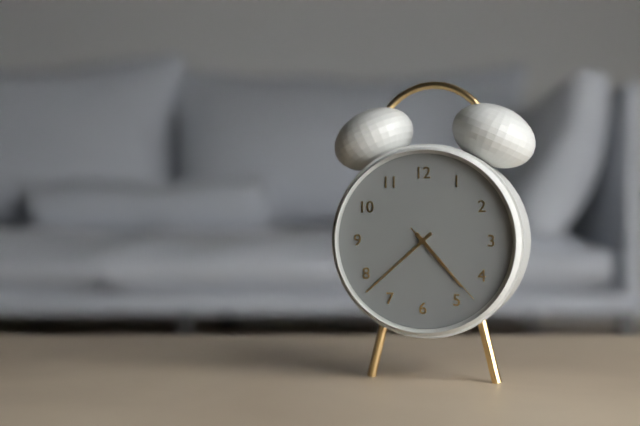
4:38:23
